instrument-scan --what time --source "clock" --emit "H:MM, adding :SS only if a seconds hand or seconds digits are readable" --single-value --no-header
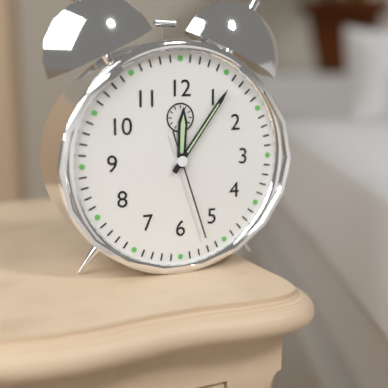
12:06:27
